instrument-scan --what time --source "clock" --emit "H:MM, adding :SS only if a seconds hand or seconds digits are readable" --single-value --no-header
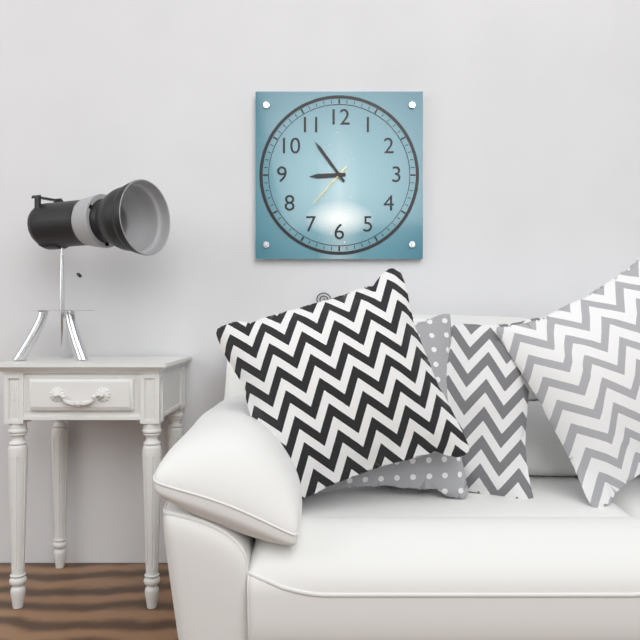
8:54
